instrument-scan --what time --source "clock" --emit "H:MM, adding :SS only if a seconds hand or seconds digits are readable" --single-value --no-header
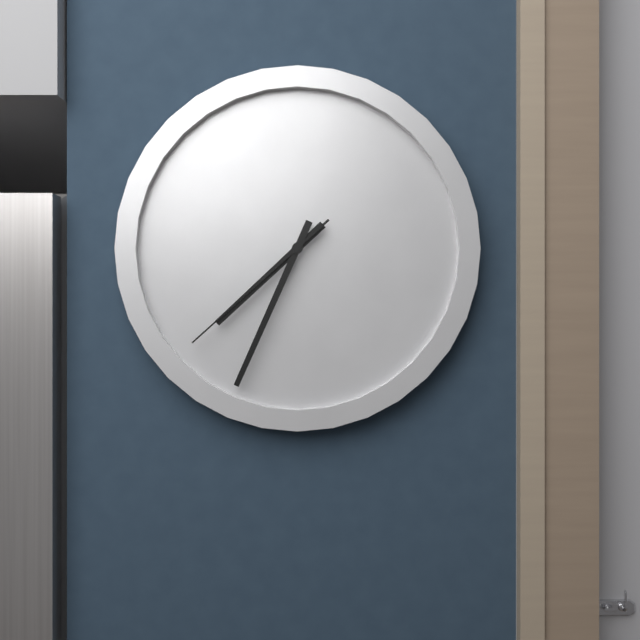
7:34:38
